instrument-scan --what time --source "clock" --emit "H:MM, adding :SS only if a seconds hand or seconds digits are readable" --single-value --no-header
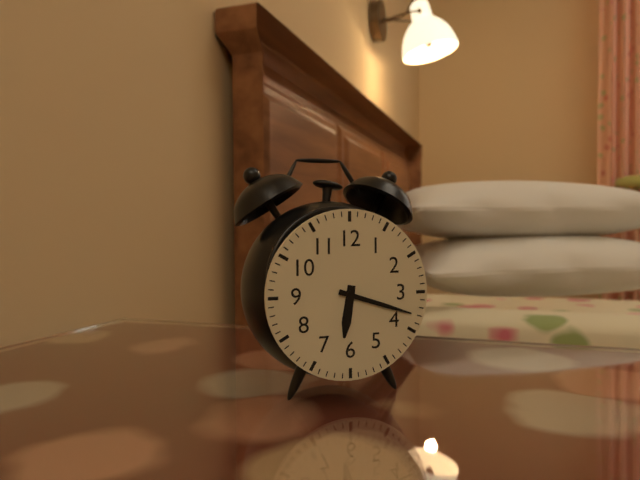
6:18
